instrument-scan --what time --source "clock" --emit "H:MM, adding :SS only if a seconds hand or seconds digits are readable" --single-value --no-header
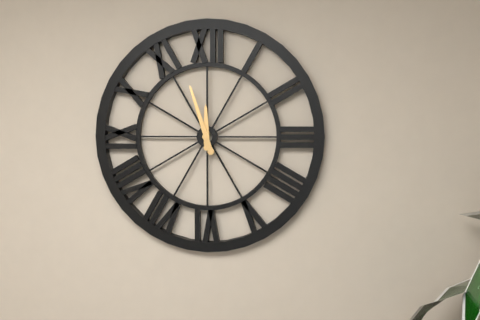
11:57
